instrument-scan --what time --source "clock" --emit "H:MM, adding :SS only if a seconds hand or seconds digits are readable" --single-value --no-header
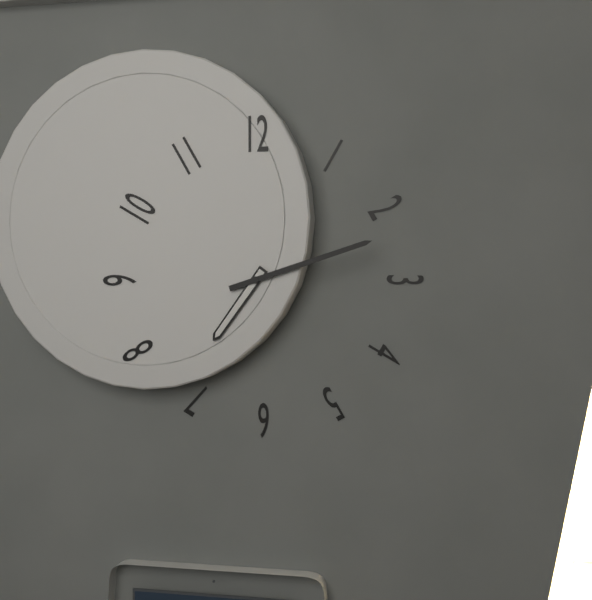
7:12
